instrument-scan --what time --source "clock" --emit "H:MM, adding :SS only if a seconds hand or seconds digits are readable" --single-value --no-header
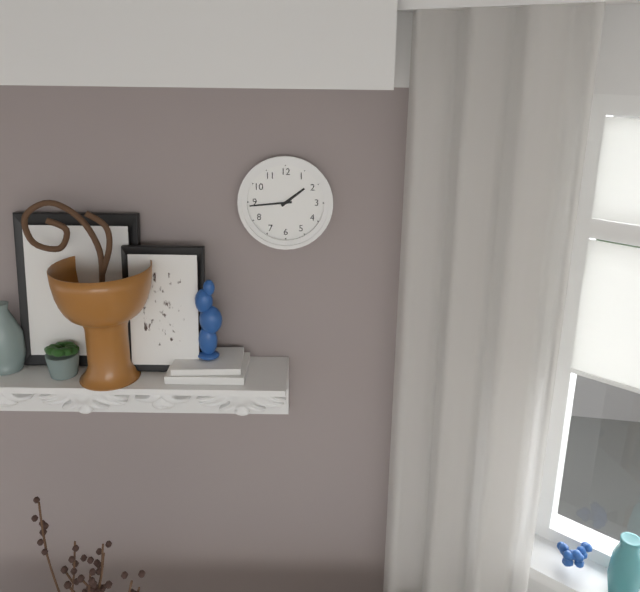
1:44
